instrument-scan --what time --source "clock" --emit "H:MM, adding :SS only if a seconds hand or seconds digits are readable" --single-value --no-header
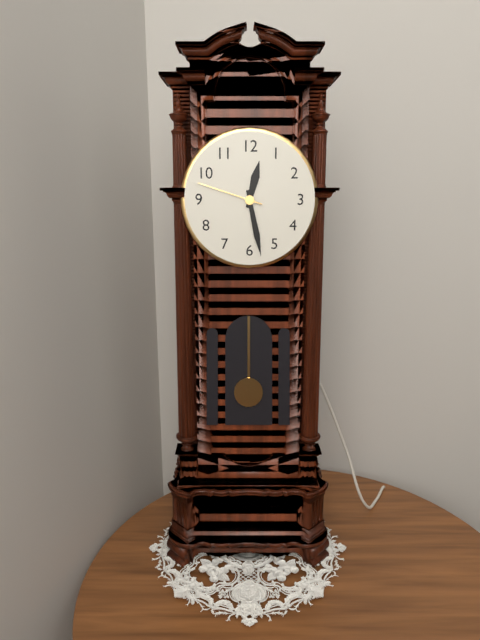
12:28:48
